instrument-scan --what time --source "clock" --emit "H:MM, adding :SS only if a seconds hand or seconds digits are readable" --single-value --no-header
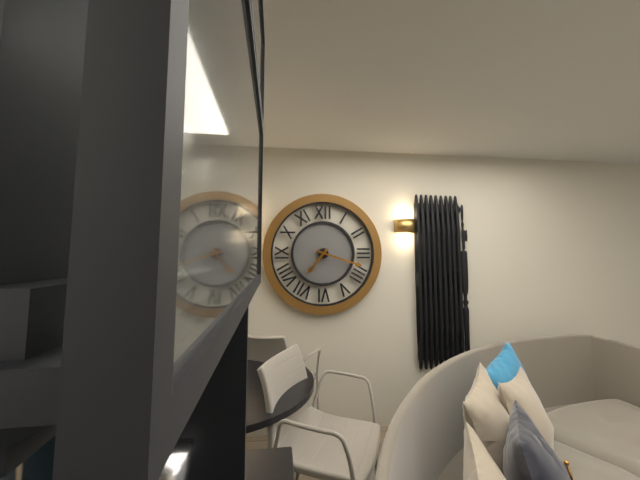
7:18
